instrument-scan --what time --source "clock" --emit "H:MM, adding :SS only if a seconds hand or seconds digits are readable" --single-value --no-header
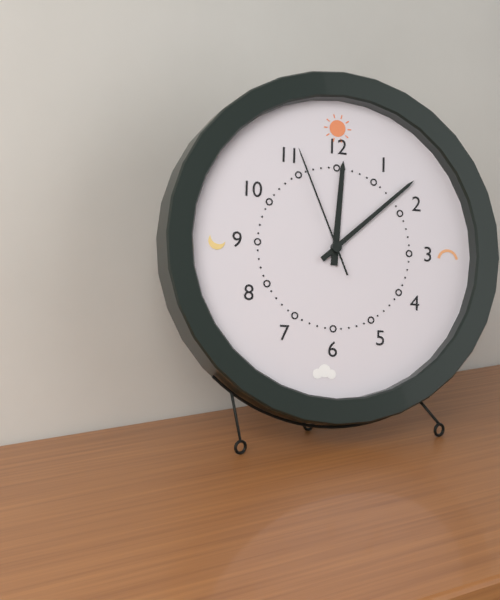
12:08:56
